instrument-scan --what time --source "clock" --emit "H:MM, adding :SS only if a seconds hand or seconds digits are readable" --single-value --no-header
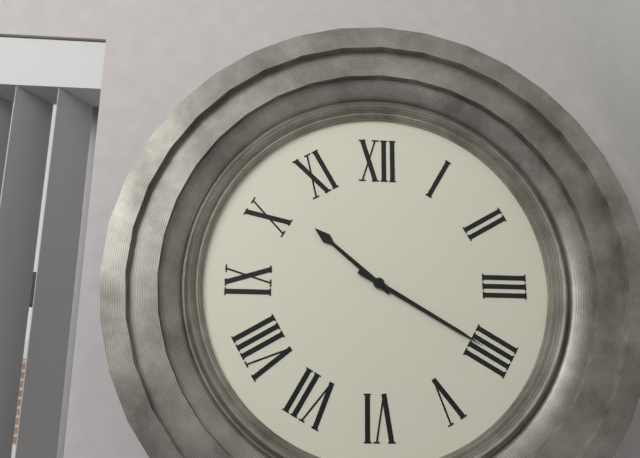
10:20
